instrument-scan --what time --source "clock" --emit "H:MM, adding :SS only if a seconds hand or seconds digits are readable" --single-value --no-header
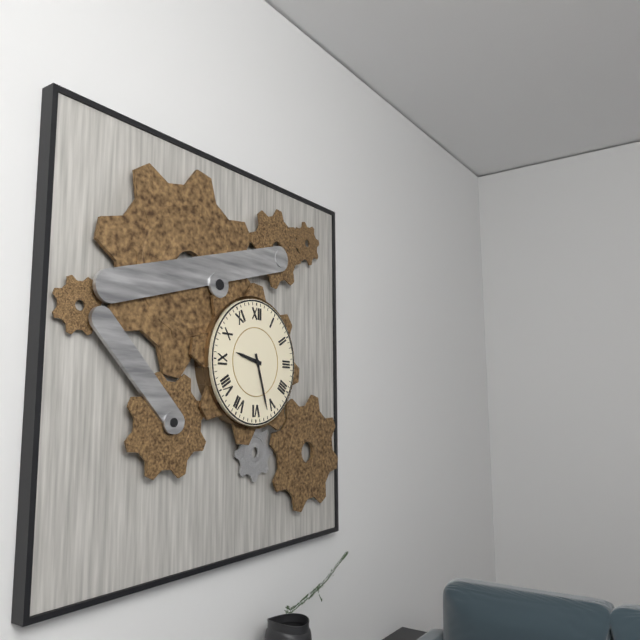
9:27
